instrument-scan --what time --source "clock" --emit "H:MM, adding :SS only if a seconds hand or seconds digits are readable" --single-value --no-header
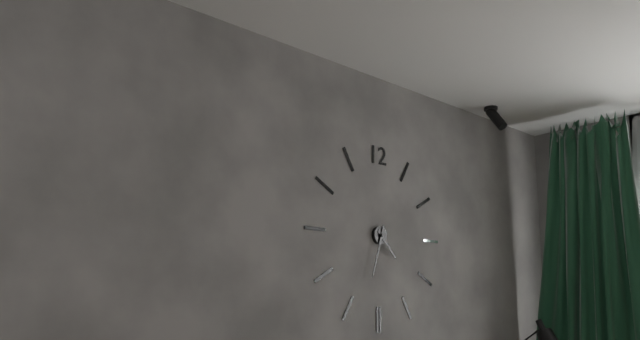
4:33
